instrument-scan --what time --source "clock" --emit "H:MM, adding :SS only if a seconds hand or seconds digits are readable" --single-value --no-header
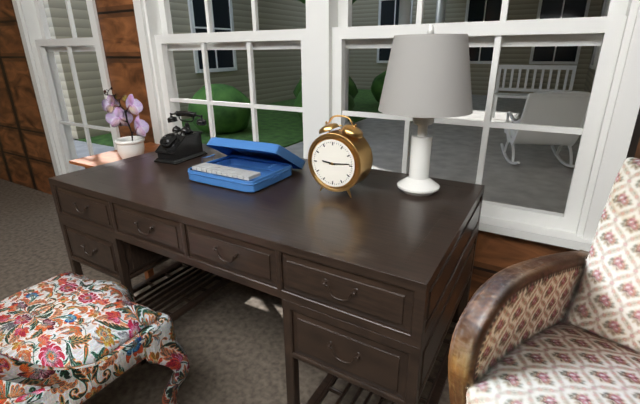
9:14
